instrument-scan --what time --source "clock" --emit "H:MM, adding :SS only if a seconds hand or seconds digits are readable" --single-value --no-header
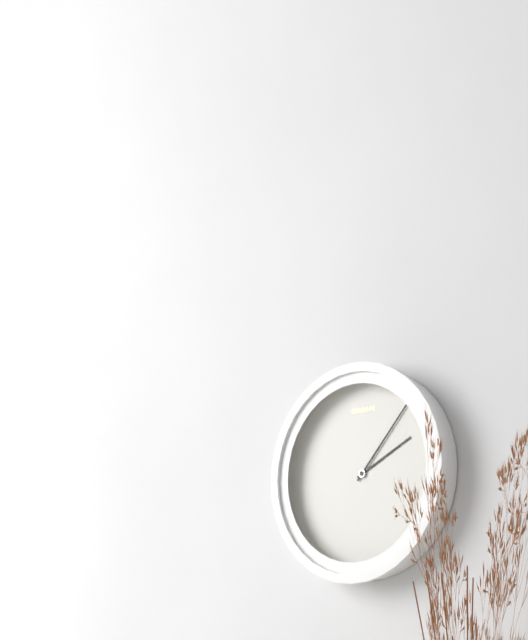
2:07
